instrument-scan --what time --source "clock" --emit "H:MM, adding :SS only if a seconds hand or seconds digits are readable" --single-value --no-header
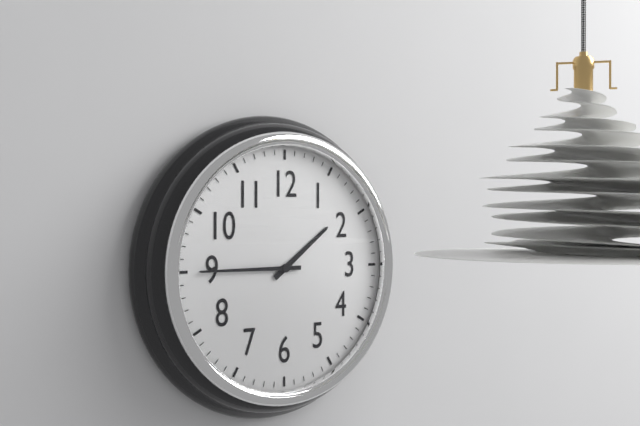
1:45
